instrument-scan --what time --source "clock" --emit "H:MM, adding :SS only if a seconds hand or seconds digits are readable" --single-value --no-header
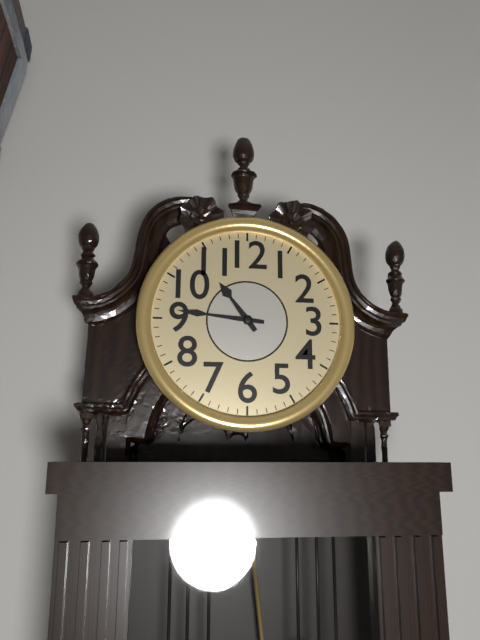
10:46
